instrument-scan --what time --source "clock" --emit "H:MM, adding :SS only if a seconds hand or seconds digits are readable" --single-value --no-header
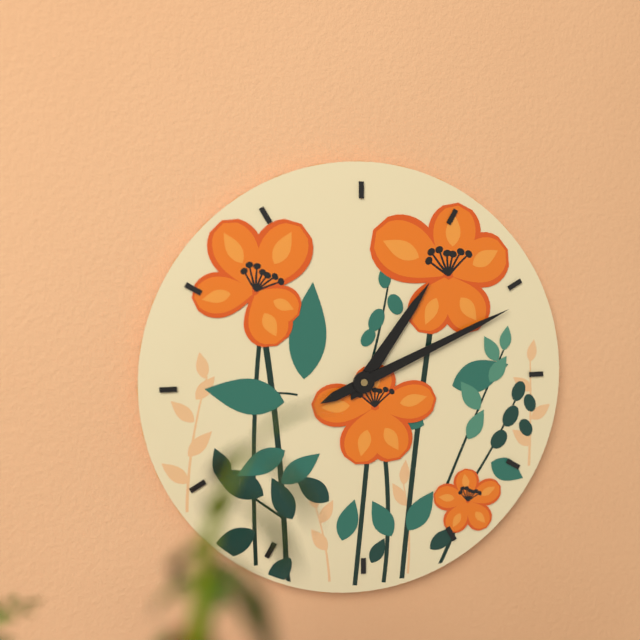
1:11
